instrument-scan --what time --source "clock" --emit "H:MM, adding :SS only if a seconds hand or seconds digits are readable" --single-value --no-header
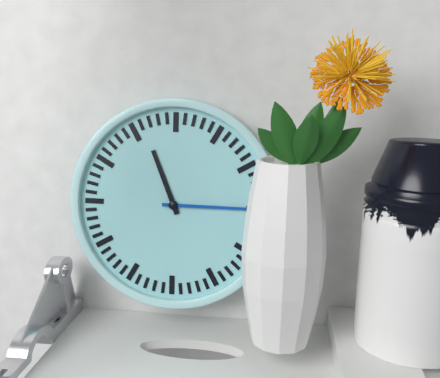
11:15
